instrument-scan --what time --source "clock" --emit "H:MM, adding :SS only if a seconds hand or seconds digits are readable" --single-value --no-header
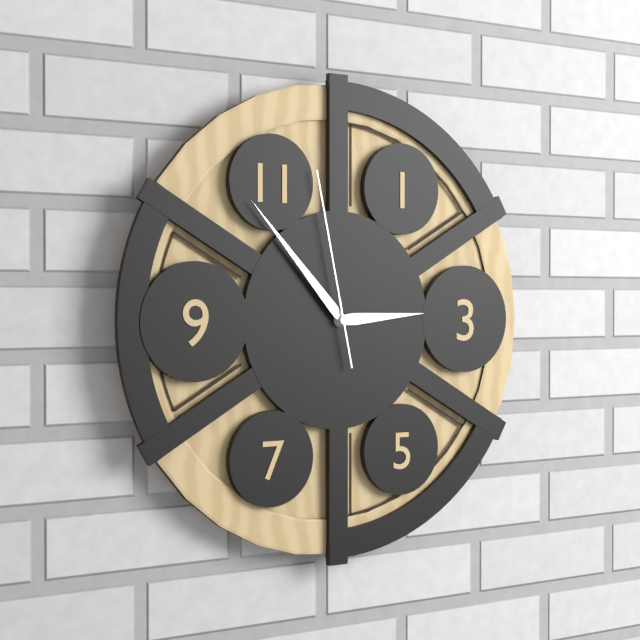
2:53:58
